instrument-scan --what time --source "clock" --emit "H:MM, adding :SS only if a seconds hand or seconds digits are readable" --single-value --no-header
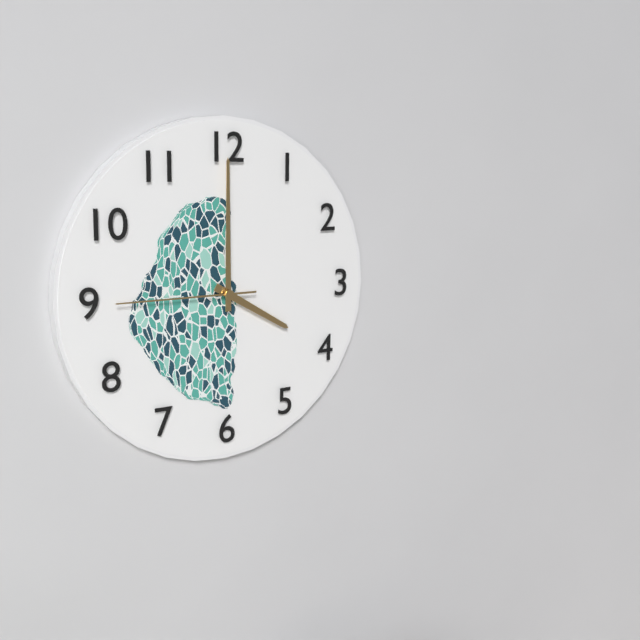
4:00:45
